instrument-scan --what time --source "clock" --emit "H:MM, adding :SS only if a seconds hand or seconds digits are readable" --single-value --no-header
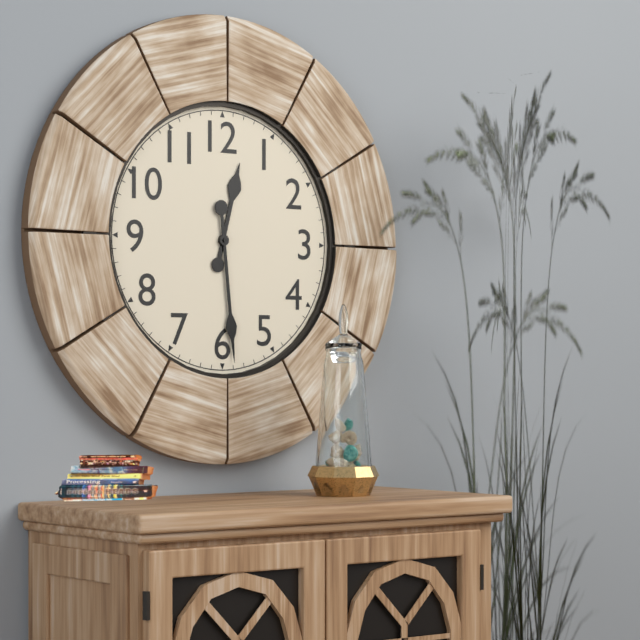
12:29
